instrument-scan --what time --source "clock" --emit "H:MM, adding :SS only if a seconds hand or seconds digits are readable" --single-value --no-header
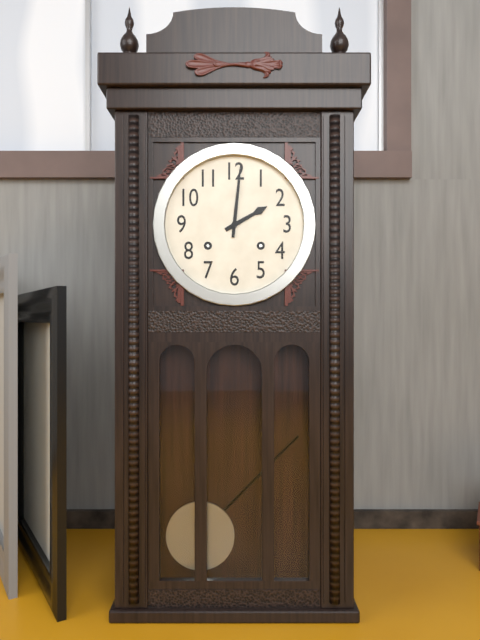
2:01
